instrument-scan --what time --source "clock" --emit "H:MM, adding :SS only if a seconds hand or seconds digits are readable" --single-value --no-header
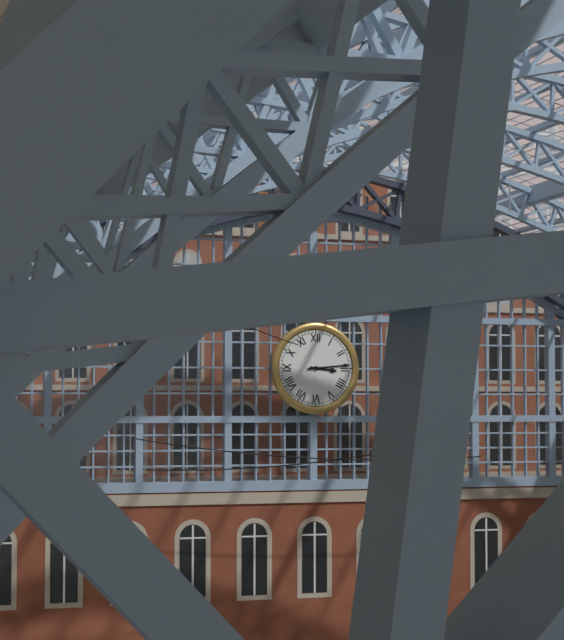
3:14
